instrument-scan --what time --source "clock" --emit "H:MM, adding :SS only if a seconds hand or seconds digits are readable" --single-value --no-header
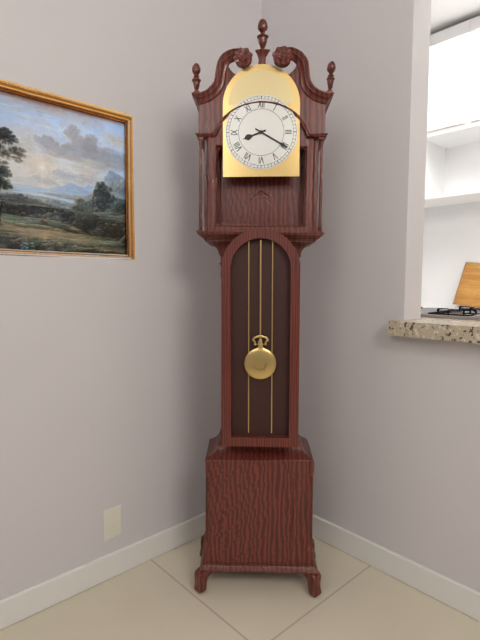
8:20
